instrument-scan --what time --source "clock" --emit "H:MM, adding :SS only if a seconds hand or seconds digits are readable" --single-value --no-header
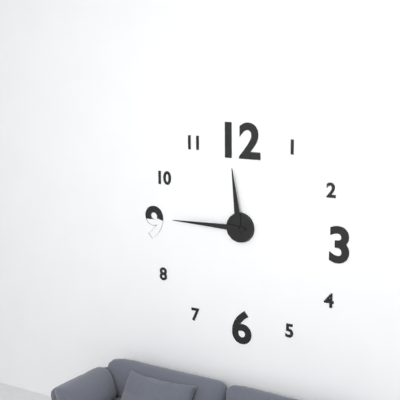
11:45
